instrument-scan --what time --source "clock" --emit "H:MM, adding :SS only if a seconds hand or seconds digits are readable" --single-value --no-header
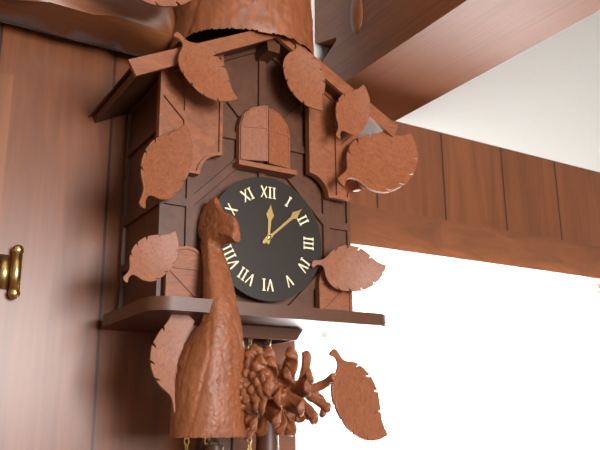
12:08
